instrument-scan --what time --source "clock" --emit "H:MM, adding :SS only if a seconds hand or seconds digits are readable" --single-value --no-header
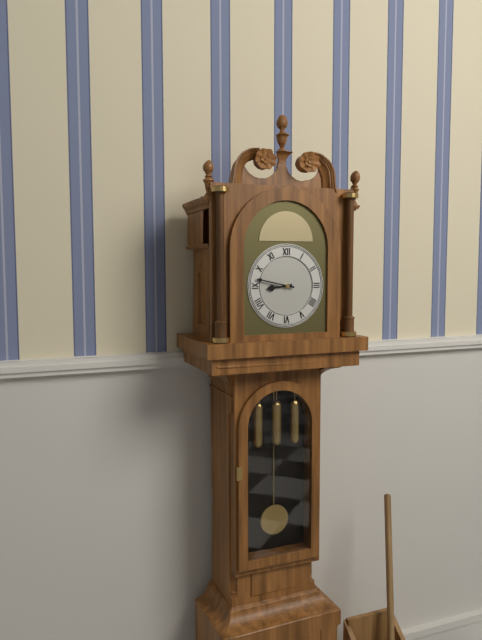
8:47
